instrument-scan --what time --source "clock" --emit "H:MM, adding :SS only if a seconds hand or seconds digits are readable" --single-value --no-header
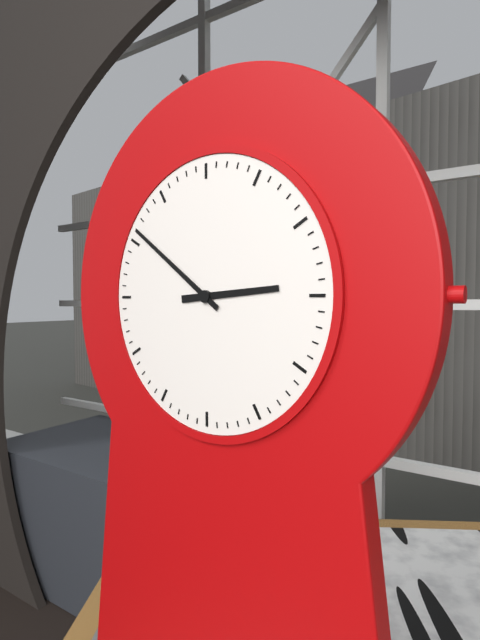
2:51
